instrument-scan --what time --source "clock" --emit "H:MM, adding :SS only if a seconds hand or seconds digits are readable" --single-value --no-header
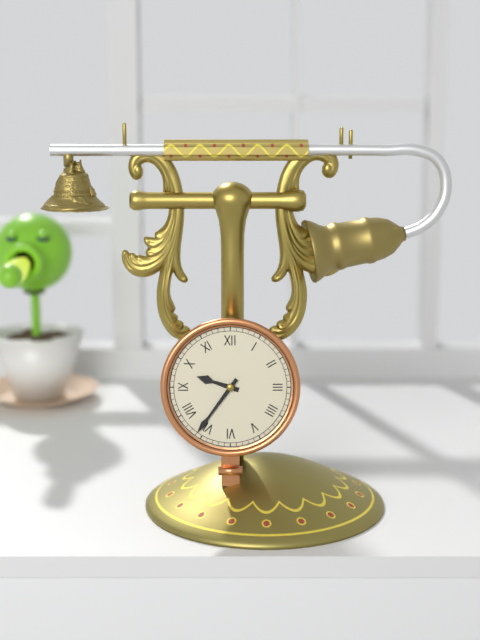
9:36
